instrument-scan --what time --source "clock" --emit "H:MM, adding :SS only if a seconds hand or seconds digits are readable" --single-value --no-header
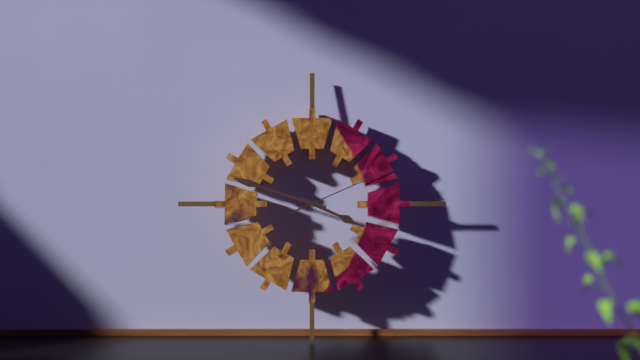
3:48:11
